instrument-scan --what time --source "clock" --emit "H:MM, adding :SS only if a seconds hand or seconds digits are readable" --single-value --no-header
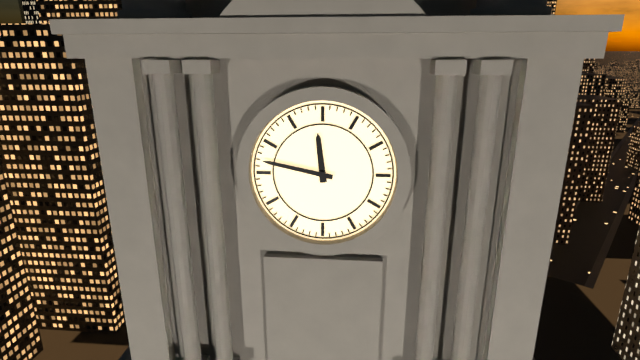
11:47
